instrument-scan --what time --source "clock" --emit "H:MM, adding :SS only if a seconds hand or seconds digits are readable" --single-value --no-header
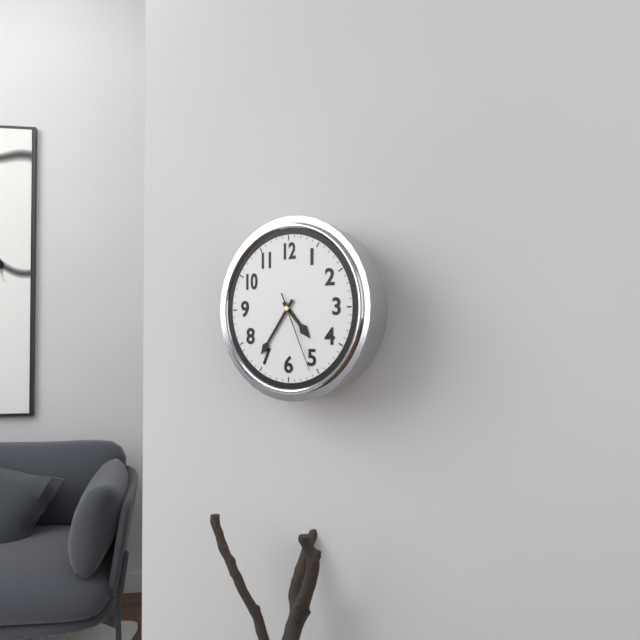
4:36:26
